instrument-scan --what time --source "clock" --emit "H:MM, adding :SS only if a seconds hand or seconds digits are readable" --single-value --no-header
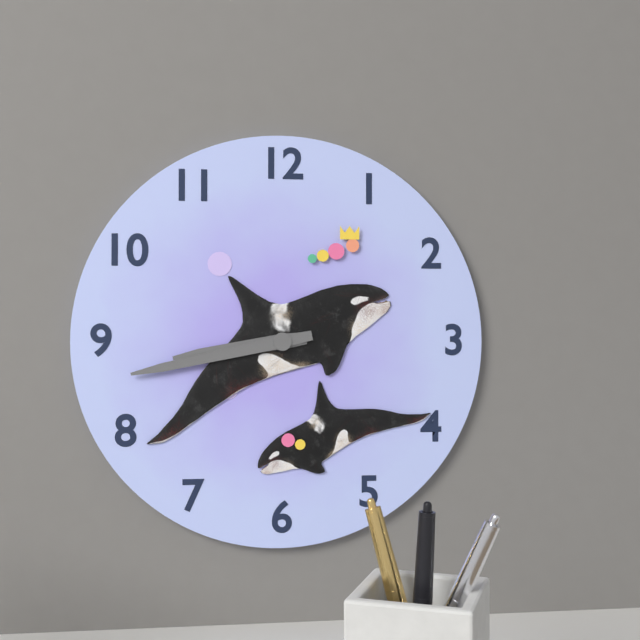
8:43
